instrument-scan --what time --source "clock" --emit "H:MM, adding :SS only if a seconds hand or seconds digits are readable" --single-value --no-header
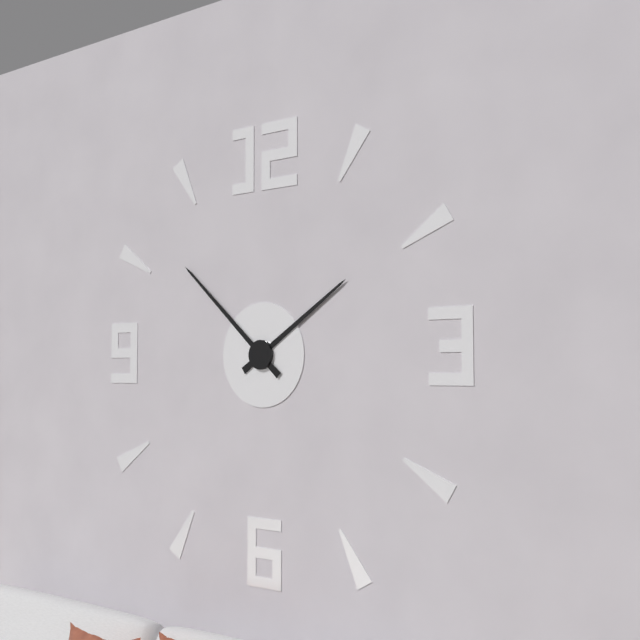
1:52
